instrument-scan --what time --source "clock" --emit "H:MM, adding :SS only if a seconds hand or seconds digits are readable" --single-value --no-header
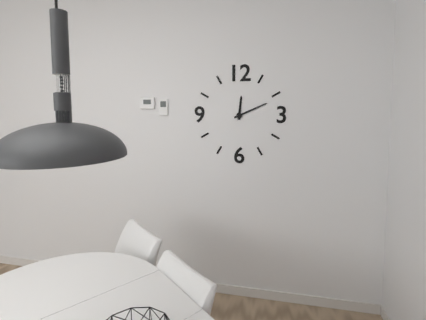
12:11
